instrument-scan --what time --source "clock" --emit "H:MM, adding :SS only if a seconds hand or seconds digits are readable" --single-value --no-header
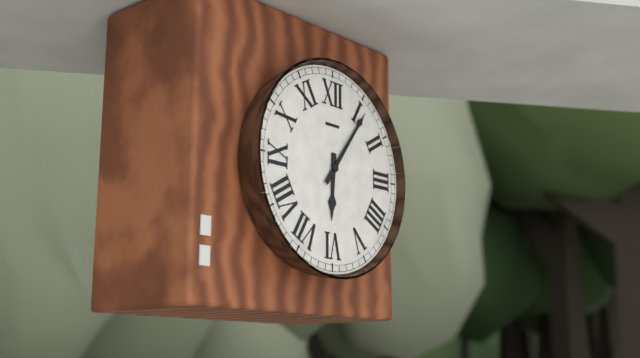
6:06
